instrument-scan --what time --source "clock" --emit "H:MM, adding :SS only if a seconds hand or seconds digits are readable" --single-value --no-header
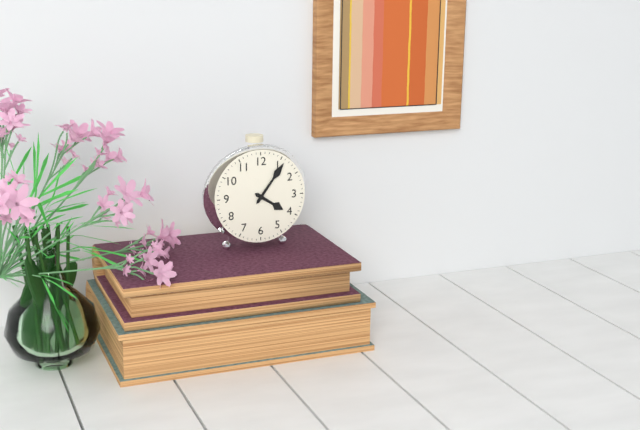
4:06
